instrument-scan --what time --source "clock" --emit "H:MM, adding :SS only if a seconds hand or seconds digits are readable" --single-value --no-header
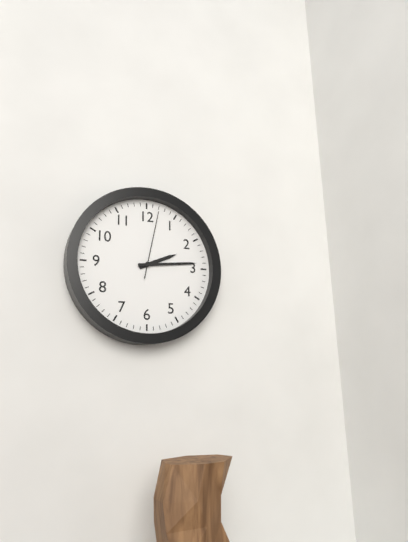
2:14:02
